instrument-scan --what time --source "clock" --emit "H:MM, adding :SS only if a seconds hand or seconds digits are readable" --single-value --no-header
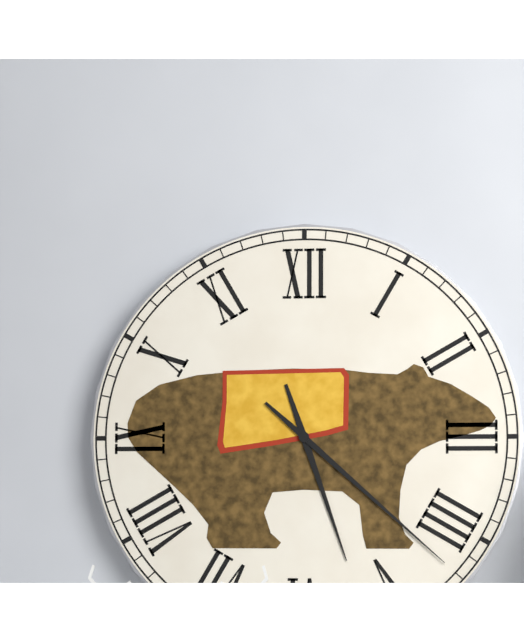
5:22
